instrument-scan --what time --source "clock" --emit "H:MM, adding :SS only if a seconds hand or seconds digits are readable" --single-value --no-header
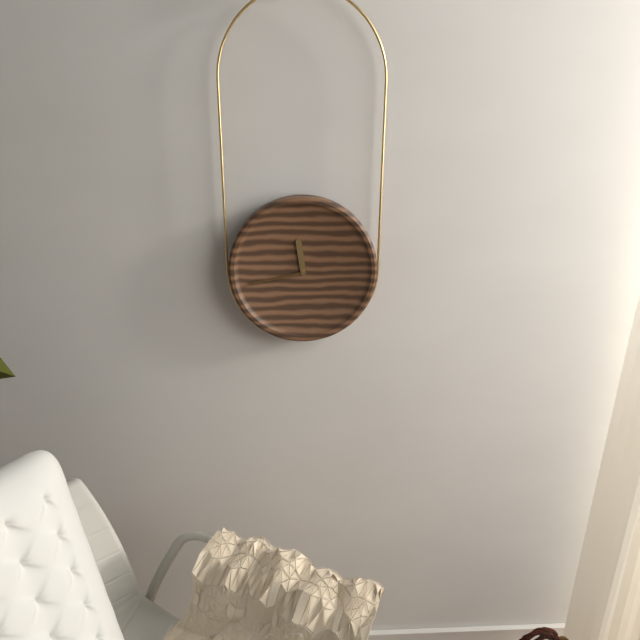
11:43
